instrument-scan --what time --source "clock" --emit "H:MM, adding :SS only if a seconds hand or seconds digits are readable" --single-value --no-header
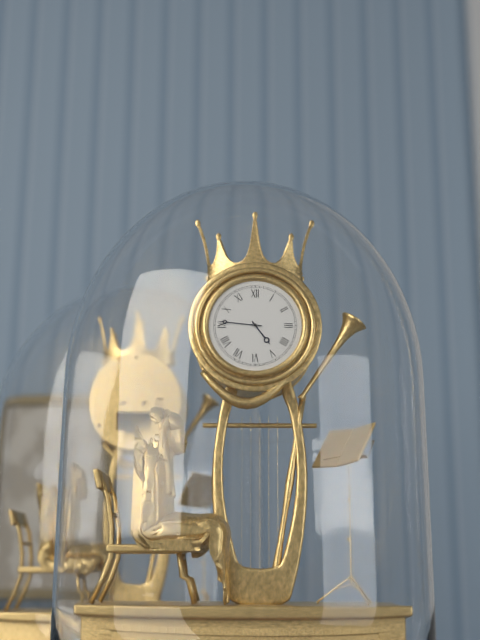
4:46
